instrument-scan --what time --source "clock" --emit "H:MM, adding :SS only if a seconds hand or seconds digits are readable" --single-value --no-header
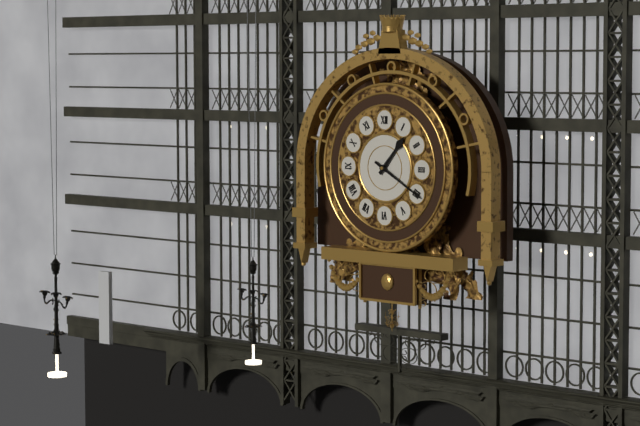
1:20
